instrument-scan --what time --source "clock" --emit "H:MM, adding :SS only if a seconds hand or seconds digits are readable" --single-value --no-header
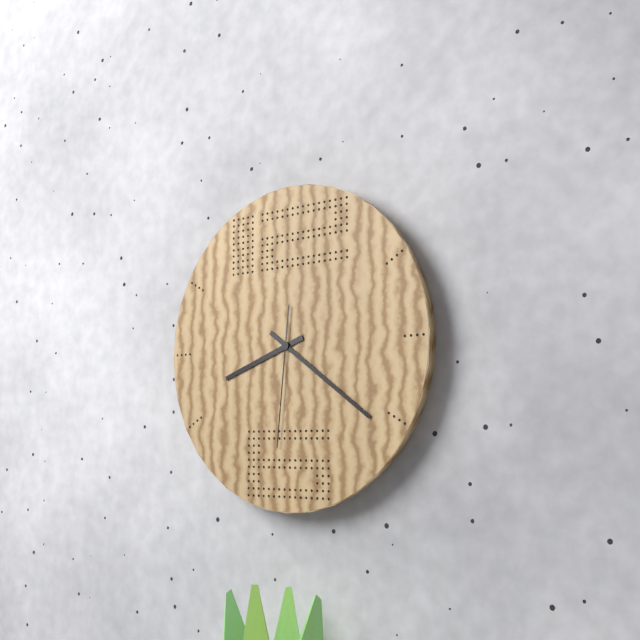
8:21:31
